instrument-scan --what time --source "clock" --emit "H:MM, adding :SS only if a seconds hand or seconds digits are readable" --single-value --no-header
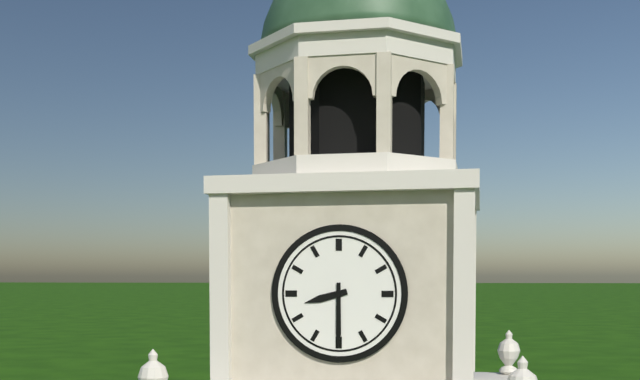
8:30
